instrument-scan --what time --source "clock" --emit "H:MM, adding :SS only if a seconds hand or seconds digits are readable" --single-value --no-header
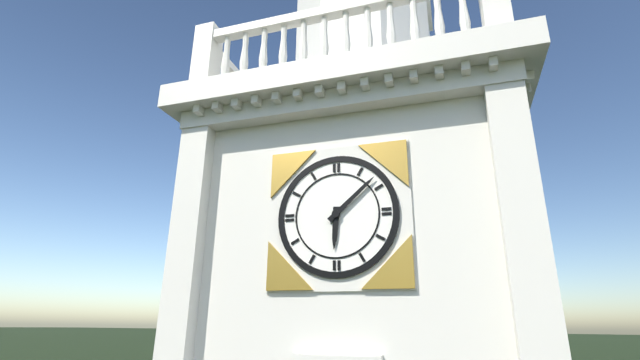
6:08
